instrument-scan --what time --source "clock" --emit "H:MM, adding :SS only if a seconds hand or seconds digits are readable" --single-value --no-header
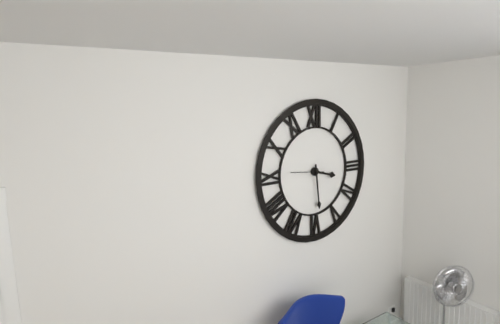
3:29
